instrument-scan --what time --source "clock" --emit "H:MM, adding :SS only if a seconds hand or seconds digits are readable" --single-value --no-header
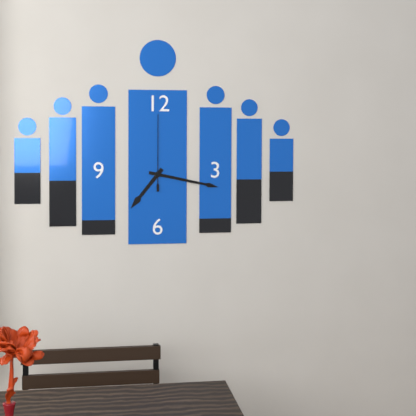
7:17:00
